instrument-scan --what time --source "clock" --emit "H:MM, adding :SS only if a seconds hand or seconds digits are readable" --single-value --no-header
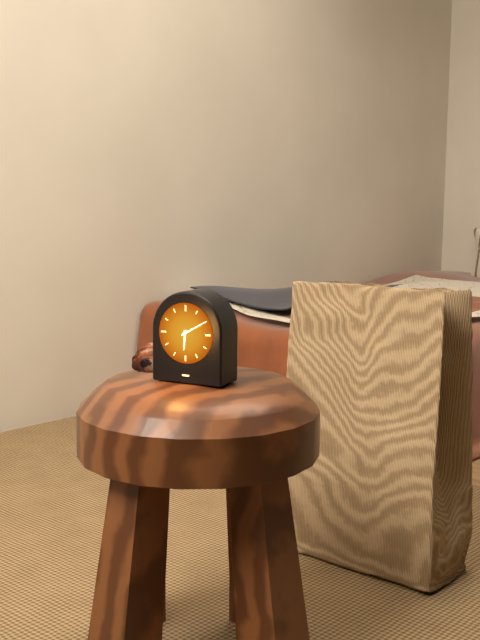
6:10
